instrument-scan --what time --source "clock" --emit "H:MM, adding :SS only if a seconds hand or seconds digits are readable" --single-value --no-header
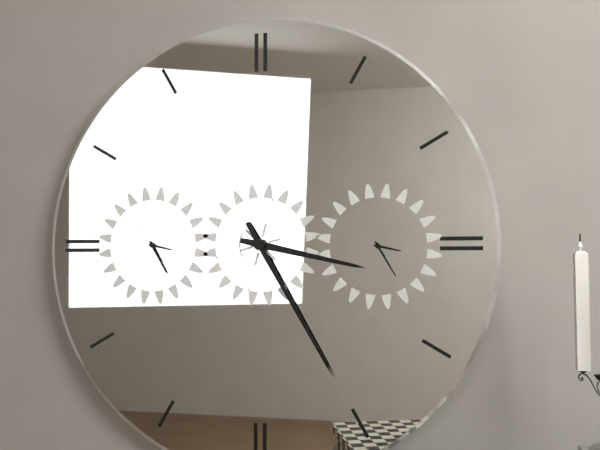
3:25
